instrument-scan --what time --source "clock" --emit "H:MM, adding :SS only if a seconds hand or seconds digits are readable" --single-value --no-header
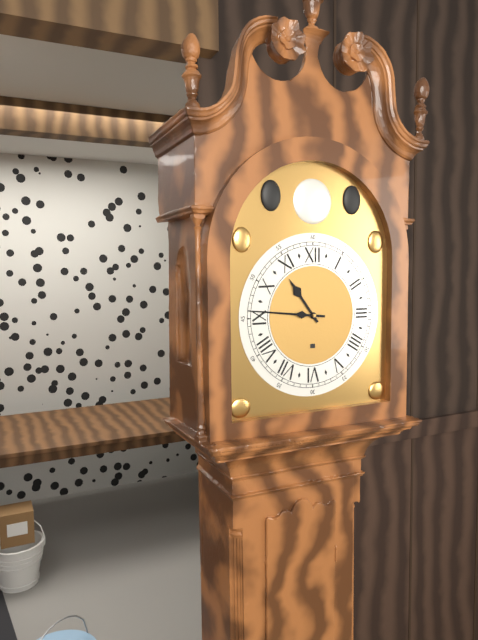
10:46
